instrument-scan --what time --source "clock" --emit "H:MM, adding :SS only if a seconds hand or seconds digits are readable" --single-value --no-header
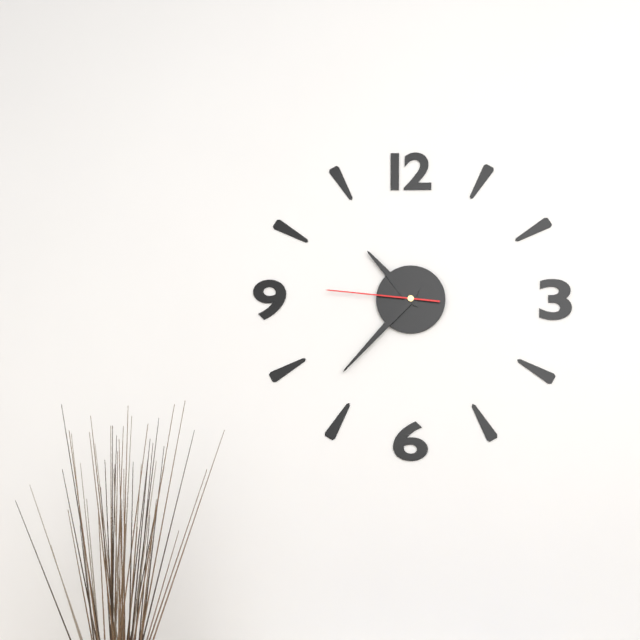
10:37:46
